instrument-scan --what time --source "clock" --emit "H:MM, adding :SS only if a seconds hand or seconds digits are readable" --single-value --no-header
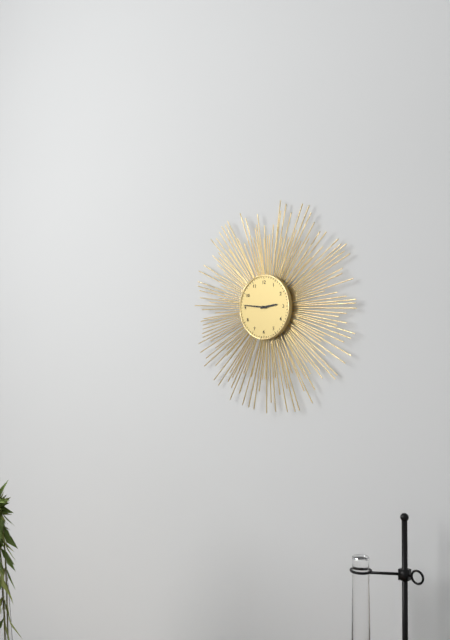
2:46
